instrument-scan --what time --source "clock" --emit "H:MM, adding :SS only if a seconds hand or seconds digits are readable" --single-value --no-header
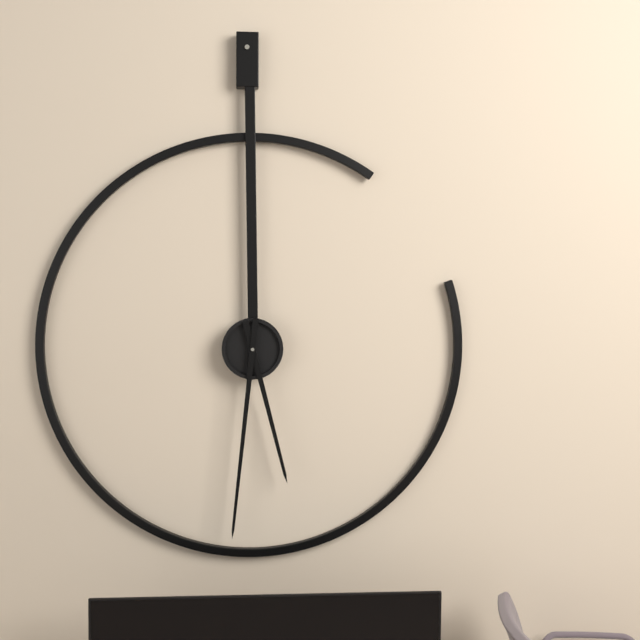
5:31
